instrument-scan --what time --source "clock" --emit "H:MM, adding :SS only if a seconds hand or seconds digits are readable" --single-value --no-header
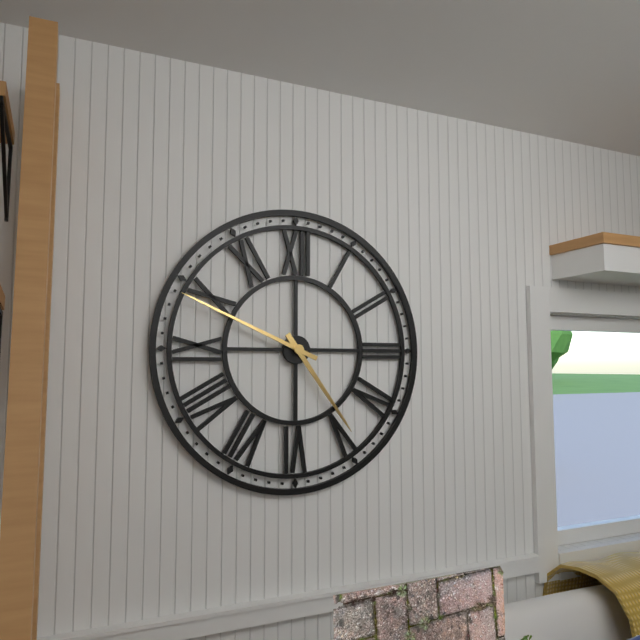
4:49
